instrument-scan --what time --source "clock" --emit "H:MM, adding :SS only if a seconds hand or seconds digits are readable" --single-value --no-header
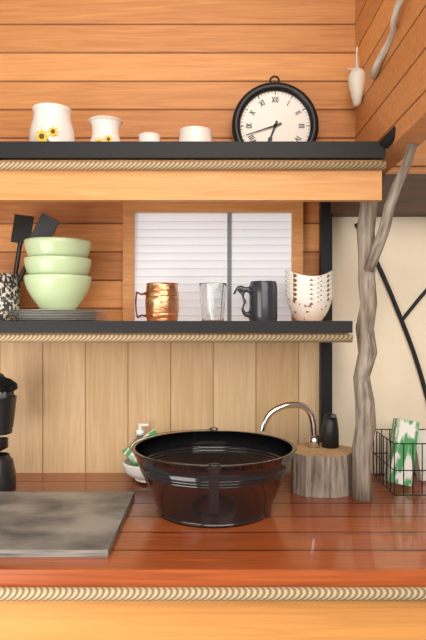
6:42
